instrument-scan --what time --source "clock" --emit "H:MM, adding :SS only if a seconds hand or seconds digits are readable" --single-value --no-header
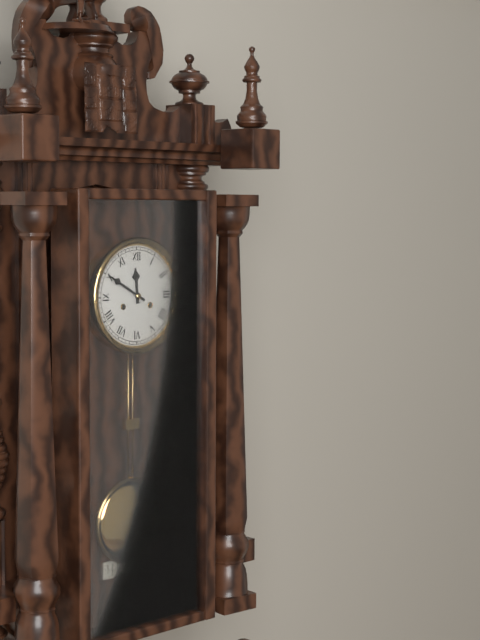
11:50
